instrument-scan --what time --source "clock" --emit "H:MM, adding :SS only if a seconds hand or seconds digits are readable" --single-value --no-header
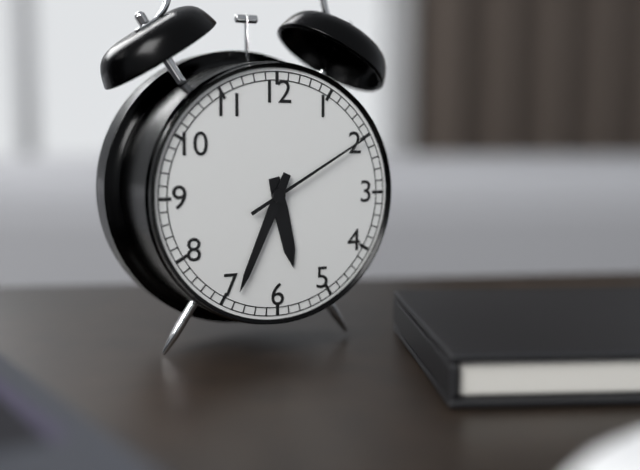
5:34:10
